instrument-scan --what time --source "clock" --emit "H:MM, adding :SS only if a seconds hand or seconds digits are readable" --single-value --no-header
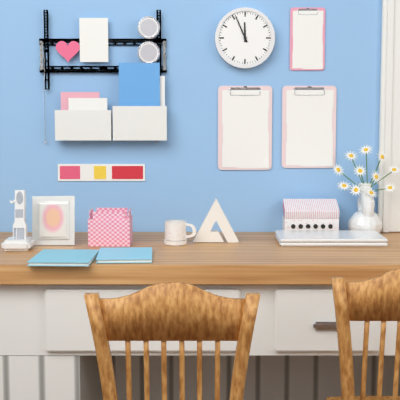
11:56
